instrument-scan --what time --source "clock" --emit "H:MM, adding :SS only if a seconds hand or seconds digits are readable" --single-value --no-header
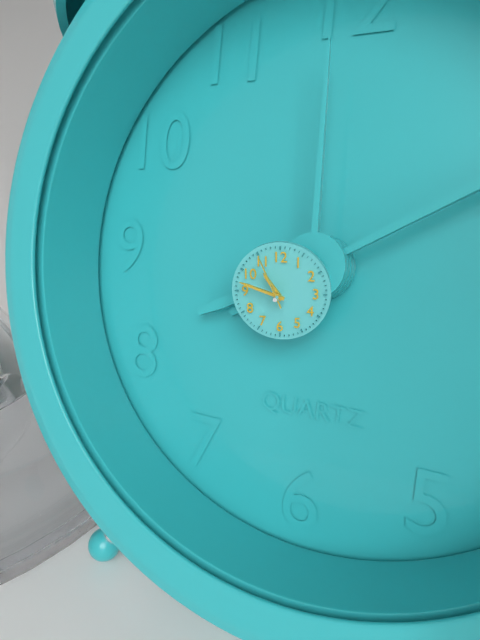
10:48:56
